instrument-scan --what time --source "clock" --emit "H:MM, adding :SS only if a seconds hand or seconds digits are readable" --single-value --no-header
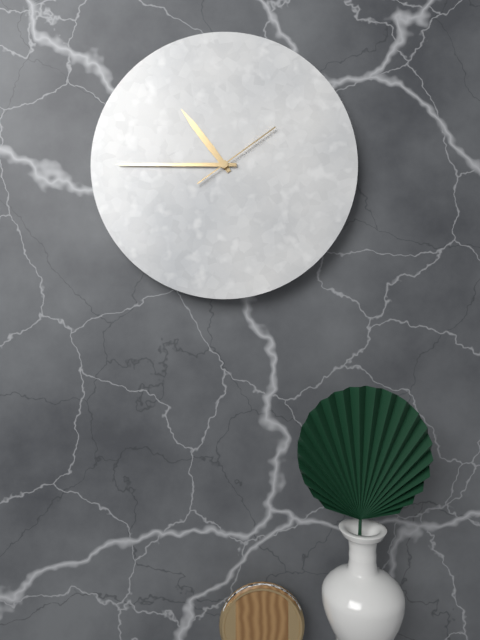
10:45:09
